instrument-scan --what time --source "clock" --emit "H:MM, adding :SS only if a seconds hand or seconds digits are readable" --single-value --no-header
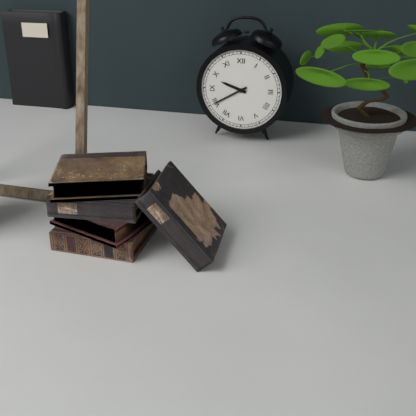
9:40
